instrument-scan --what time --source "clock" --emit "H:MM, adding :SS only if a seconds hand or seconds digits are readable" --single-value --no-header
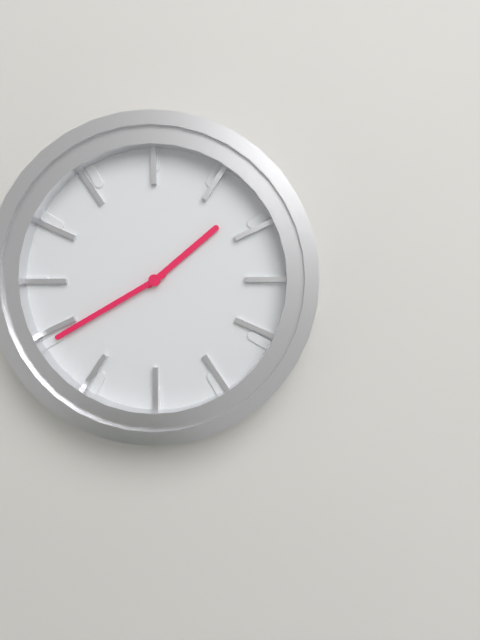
1:40
